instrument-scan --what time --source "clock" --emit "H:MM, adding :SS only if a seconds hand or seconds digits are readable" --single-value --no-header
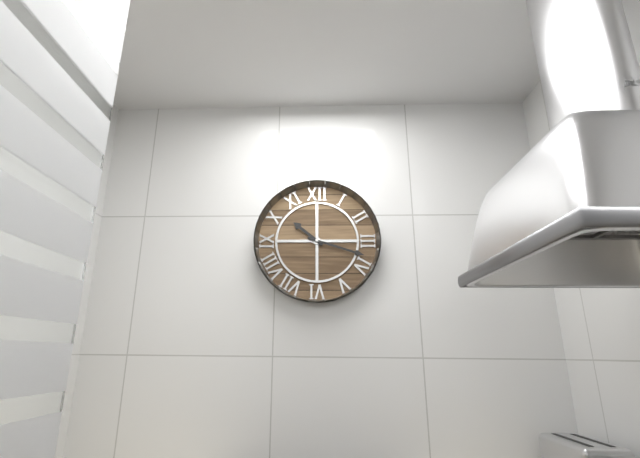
10:18
